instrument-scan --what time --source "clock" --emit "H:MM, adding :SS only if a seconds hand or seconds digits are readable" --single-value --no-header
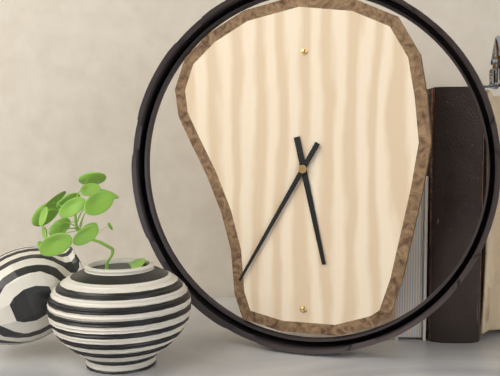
5:35
